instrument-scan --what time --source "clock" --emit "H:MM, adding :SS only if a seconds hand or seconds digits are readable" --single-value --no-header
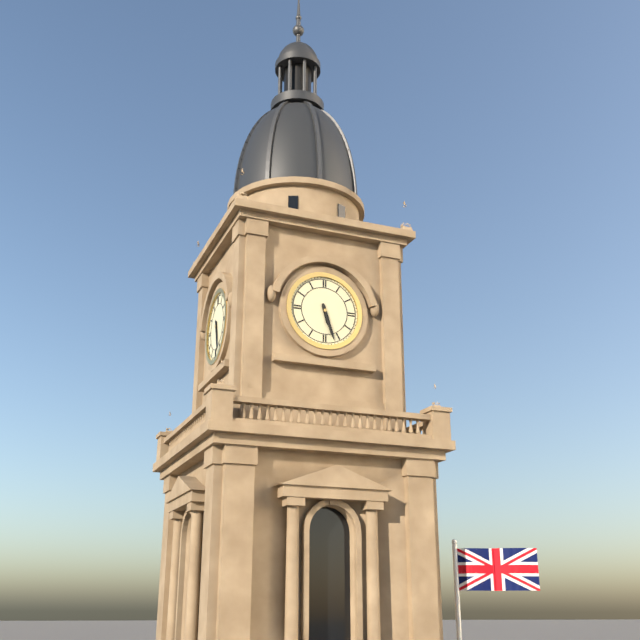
5:27
